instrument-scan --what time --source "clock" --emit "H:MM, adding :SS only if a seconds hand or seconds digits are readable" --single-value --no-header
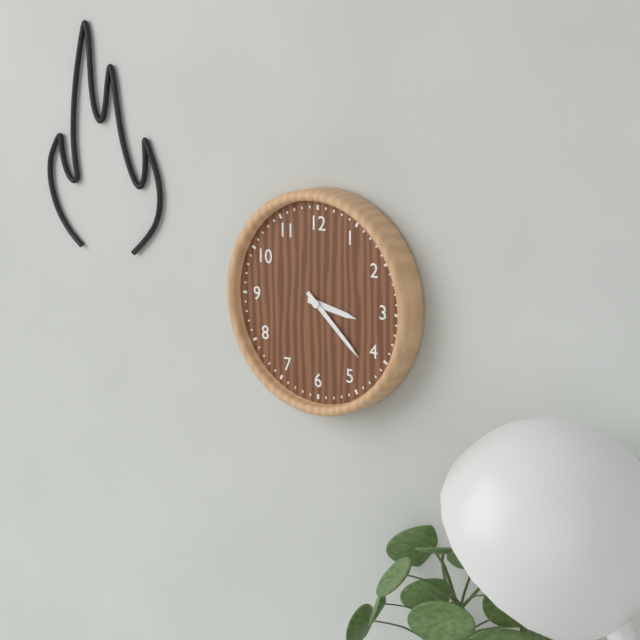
3:22
